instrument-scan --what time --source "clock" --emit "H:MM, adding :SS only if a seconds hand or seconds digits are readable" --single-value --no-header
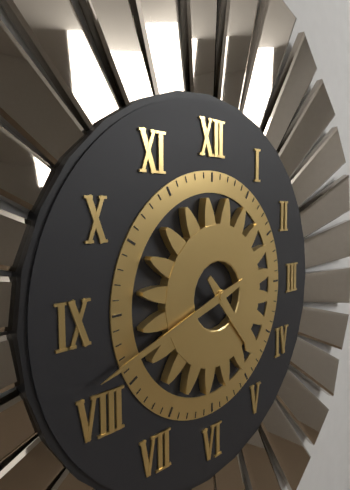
4:42
